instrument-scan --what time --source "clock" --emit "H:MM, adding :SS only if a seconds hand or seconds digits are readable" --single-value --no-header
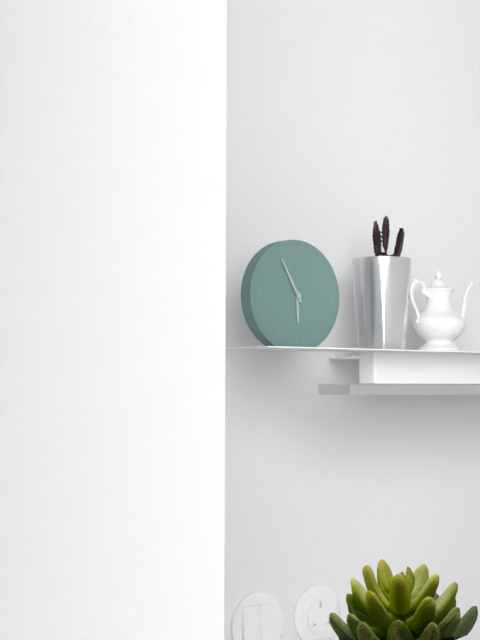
5:55
